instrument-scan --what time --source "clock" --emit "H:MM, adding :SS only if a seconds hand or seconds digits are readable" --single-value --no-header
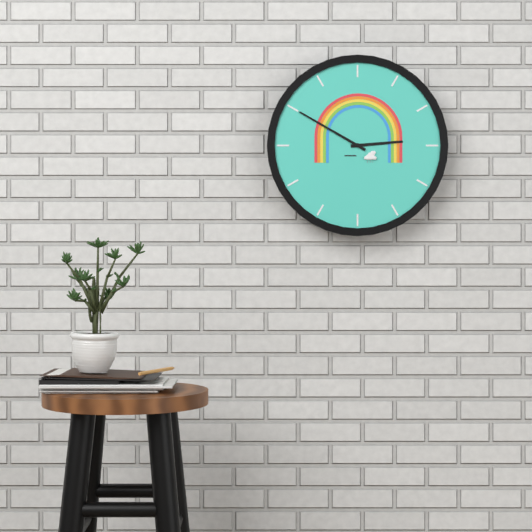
2:50
